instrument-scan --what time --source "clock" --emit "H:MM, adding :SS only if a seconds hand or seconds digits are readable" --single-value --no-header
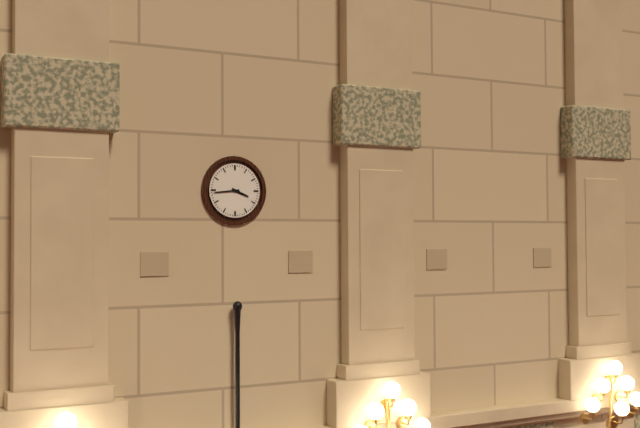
3:44
